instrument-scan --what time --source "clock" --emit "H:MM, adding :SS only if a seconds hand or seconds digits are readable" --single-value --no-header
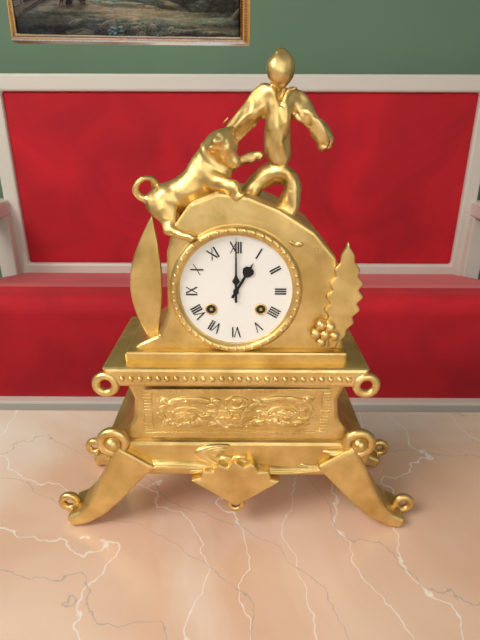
1:00
